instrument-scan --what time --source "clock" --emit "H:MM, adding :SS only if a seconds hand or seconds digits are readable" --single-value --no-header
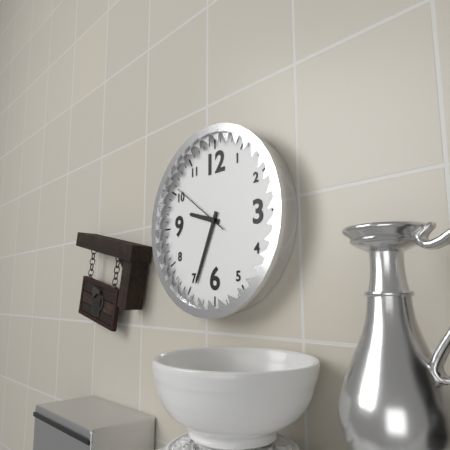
9:34:51
